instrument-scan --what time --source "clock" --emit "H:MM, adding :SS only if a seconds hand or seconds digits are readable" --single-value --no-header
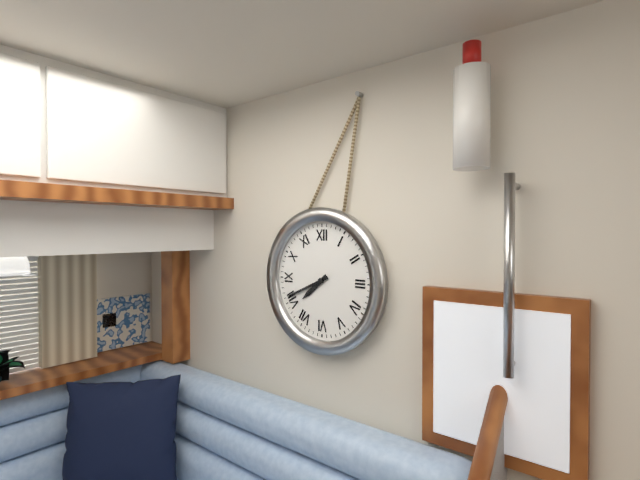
7:41
